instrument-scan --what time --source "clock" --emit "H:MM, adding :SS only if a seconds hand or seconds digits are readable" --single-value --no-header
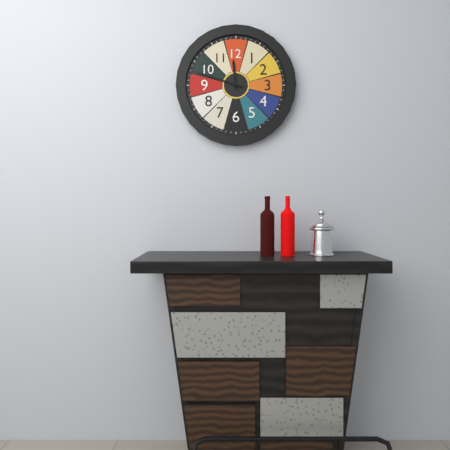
11:48
